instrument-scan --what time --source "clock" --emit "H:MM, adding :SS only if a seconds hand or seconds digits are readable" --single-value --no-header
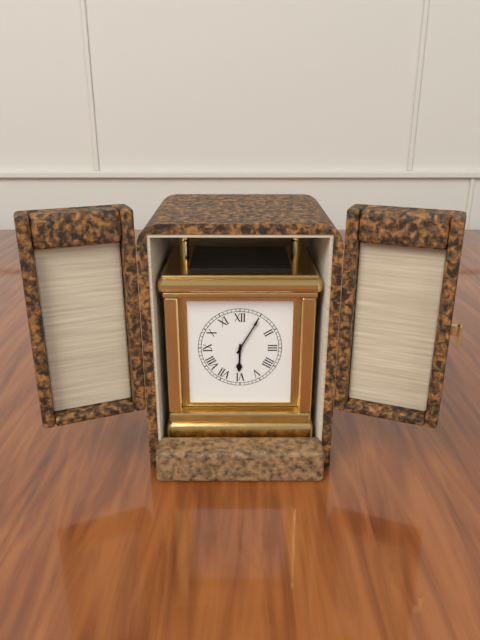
6:05
